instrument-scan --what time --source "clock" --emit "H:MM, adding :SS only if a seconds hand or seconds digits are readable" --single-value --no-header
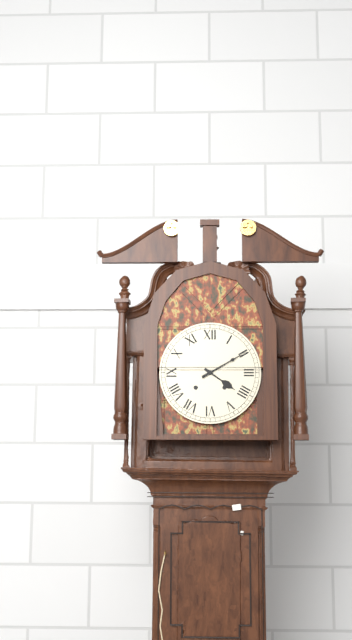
4:10
